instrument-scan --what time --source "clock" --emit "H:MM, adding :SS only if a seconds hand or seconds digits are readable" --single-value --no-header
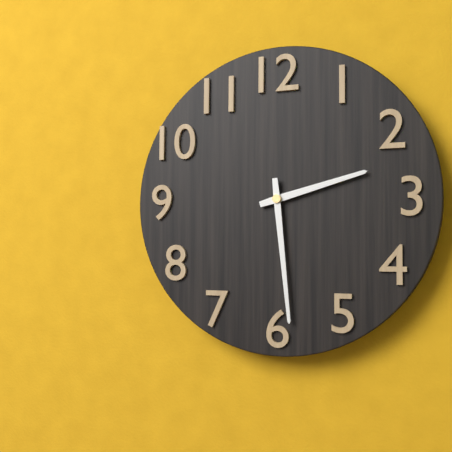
2:29
